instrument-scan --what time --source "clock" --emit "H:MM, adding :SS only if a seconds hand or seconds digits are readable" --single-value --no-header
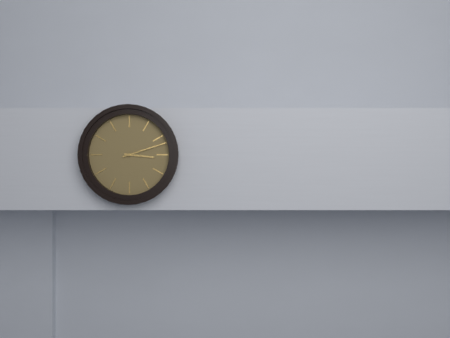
3:12
